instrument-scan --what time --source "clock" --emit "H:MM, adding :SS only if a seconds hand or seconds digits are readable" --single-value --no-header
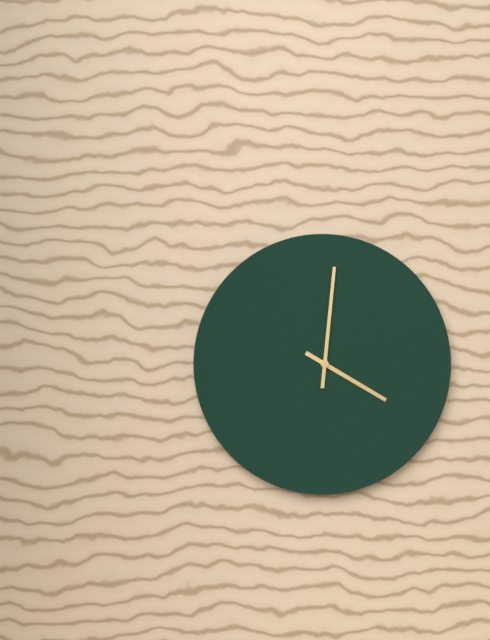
4:01
